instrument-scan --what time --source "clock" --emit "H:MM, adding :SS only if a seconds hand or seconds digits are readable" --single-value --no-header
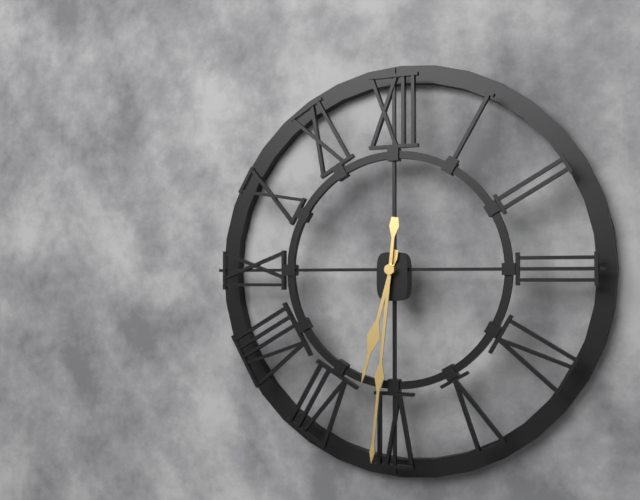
6:31
